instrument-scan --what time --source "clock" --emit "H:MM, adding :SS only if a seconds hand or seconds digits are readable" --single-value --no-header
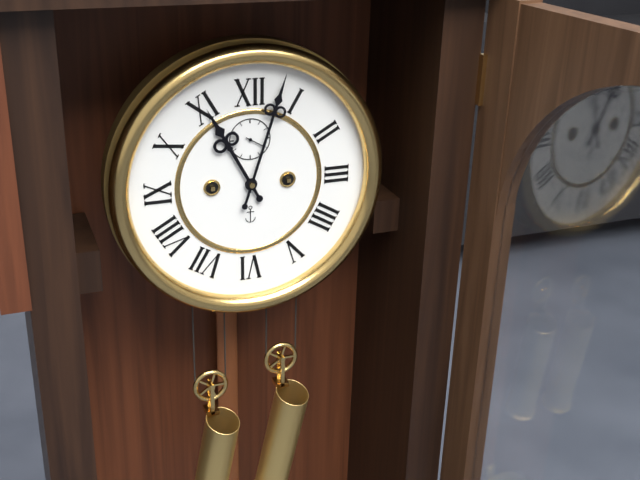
11:03
